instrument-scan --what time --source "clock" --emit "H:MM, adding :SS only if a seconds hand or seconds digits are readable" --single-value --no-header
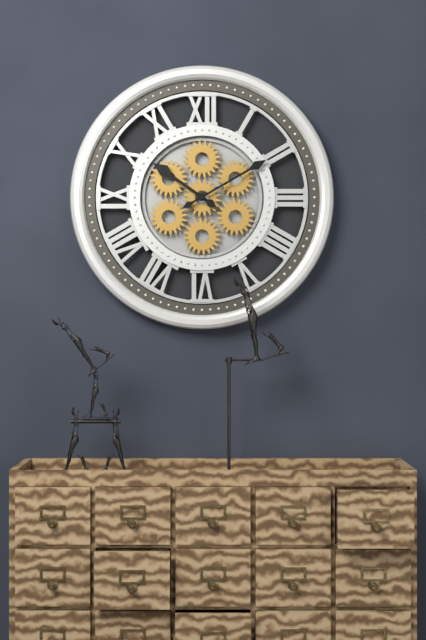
10:10
